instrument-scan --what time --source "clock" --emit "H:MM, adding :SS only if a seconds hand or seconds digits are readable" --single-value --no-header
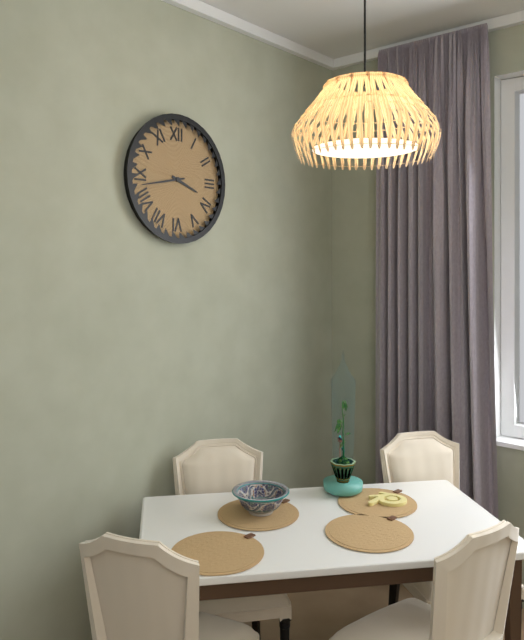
3:43
